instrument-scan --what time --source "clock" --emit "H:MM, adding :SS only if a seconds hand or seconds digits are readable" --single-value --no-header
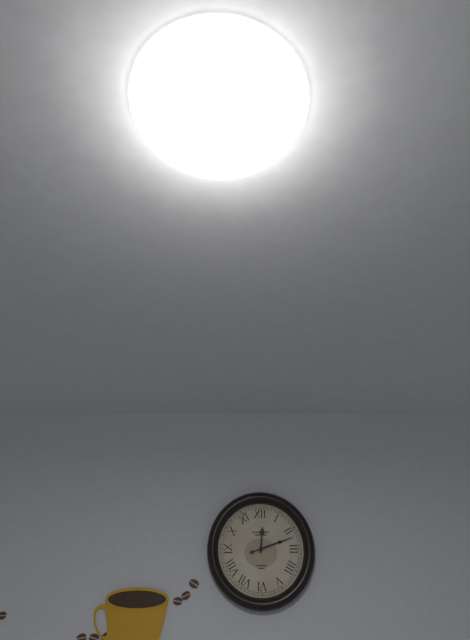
12:12
